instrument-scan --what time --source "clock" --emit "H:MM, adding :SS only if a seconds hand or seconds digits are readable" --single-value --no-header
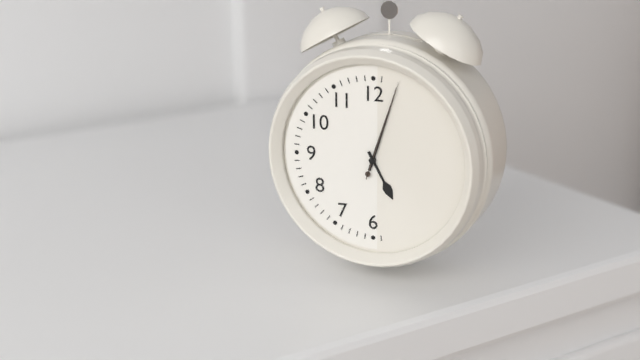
5:03:03
